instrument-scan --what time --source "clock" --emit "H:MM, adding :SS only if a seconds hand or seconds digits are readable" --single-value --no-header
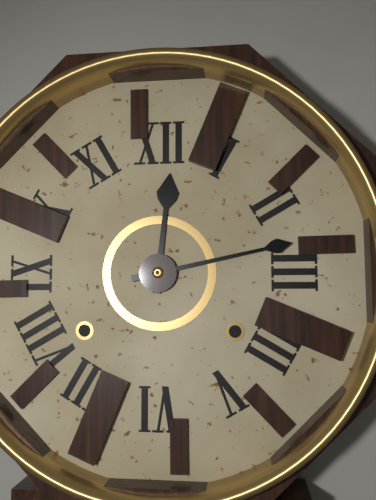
12:13
